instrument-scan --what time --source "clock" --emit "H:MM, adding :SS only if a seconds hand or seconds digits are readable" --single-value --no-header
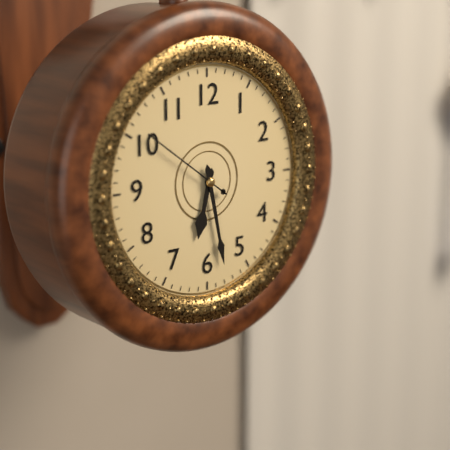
6:28:51
